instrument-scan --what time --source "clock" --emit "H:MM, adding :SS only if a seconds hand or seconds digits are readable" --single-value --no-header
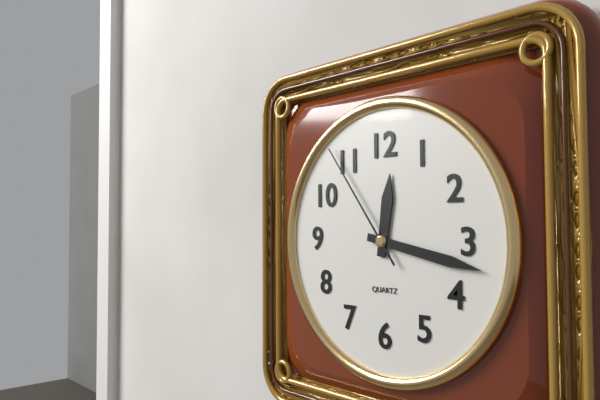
12:17:54
